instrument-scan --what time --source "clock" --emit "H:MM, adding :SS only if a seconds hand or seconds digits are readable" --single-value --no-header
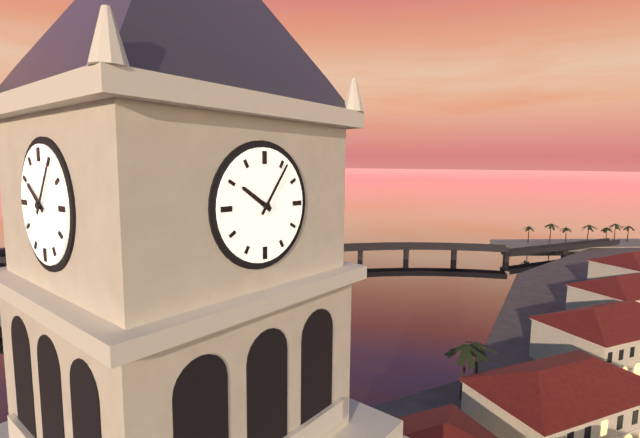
10:06
